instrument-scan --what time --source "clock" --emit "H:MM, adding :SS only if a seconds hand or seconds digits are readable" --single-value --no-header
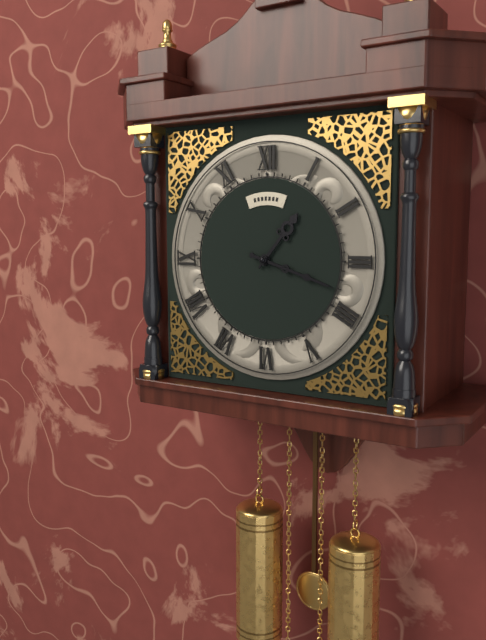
1:18
